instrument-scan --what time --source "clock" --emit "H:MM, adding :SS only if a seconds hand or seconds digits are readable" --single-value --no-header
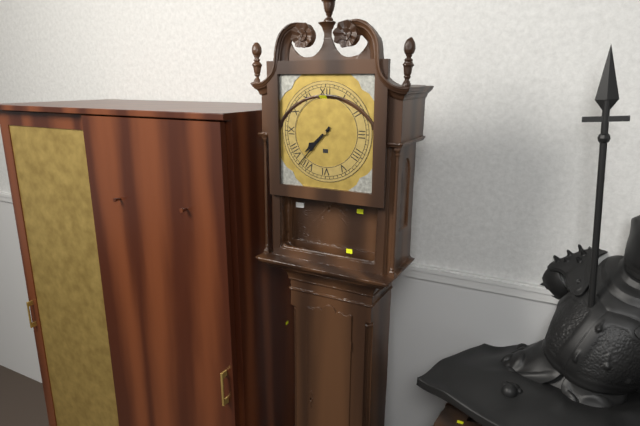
7:37
